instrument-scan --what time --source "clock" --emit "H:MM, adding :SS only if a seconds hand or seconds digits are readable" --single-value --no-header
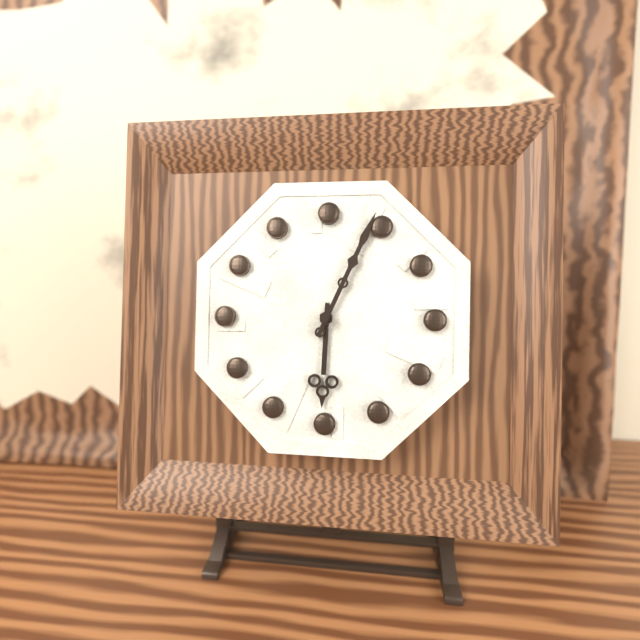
6:04
